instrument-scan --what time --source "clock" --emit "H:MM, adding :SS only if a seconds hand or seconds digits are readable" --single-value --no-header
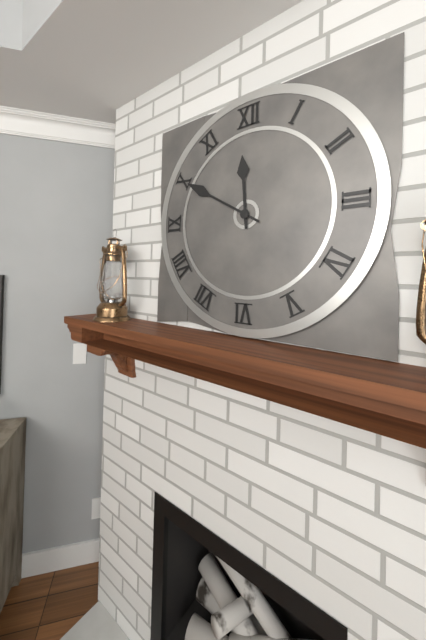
11:50
